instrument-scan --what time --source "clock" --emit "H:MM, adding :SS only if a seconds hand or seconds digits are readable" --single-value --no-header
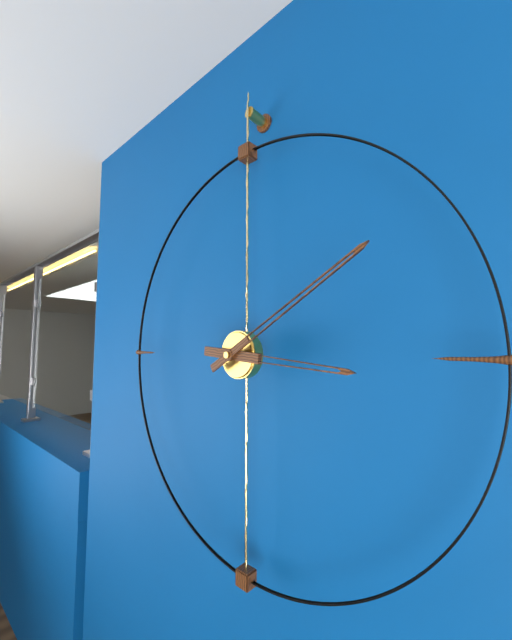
3:10
